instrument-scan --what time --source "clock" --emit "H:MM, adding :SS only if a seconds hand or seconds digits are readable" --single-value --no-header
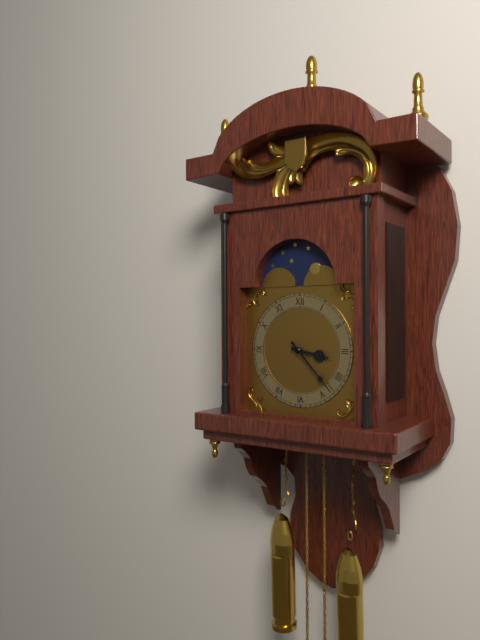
3:23
